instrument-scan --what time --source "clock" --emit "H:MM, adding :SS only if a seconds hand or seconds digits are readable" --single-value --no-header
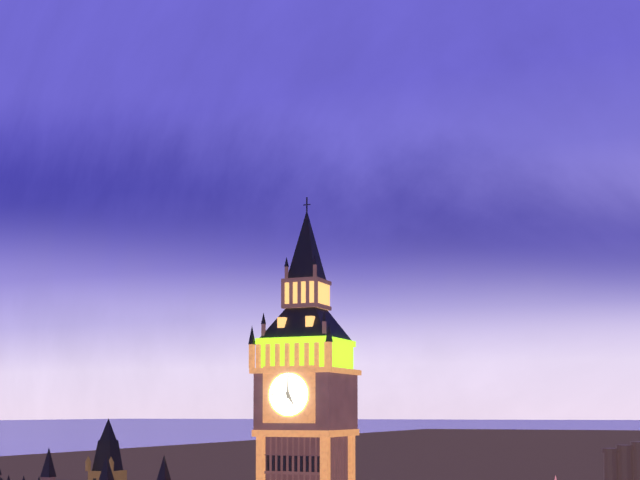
5:00
